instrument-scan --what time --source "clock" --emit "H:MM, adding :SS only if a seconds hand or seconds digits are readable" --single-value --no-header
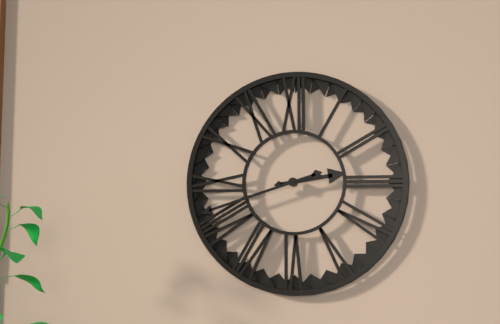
2:42
